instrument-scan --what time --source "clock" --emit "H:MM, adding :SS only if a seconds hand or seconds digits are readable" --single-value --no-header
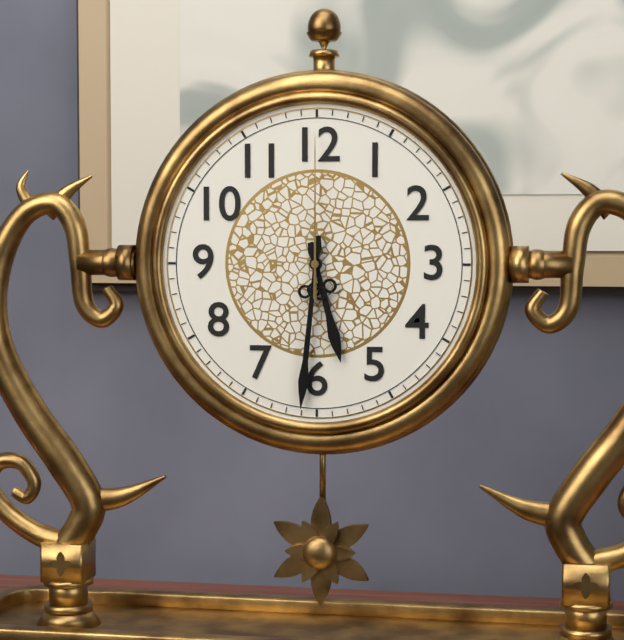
5:31:00
